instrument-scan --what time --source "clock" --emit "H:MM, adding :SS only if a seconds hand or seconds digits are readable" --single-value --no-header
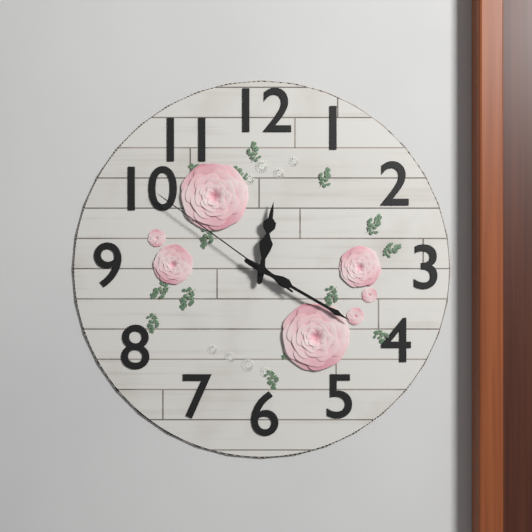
12:20:51
